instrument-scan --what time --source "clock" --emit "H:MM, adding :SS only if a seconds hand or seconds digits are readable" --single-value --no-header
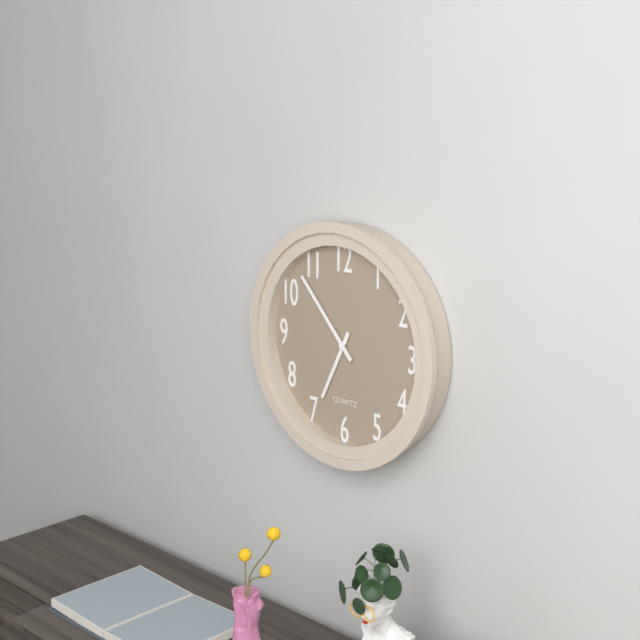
6:53
